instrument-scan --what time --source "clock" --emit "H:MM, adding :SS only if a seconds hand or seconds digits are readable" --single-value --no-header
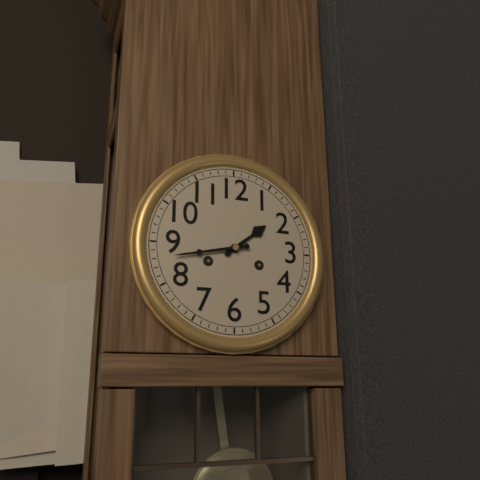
1:43
